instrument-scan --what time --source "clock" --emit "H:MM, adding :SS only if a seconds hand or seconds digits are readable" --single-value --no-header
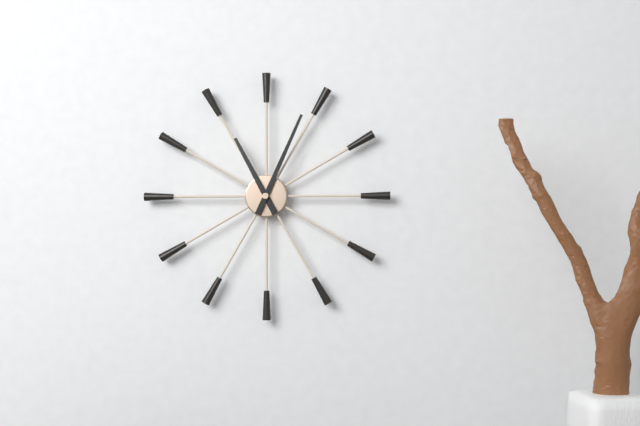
11:04
